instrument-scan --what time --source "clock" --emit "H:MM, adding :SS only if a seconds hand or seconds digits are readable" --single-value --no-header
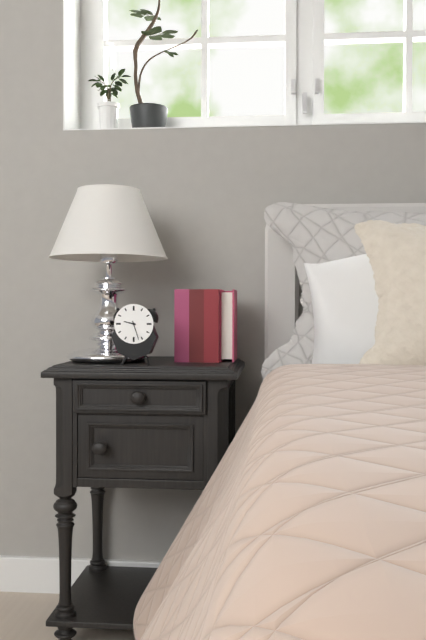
9:27
